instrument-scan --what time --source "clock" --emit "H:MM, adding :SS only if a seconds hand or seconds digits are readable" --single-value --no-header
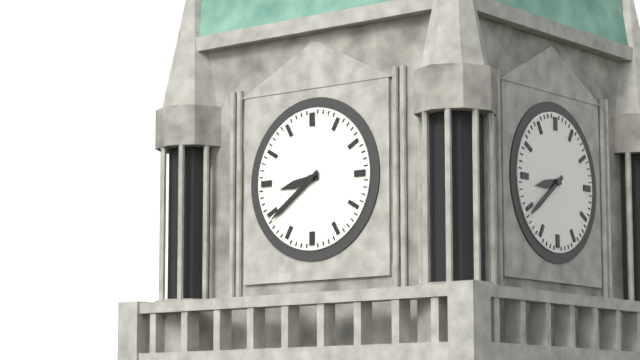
8:39
